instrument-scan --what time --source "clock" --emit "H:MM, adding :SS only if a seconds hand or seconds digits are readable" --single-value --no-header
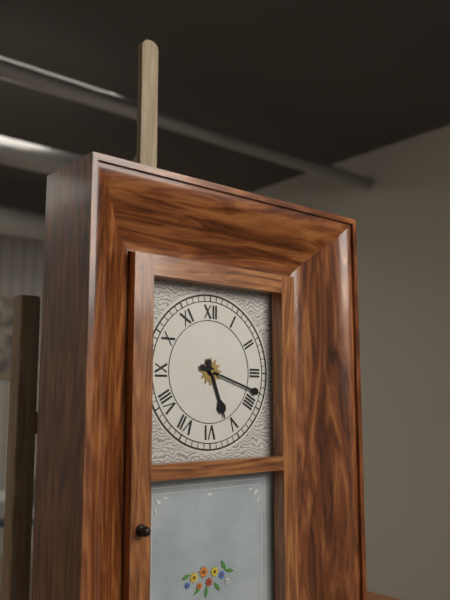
5:18
